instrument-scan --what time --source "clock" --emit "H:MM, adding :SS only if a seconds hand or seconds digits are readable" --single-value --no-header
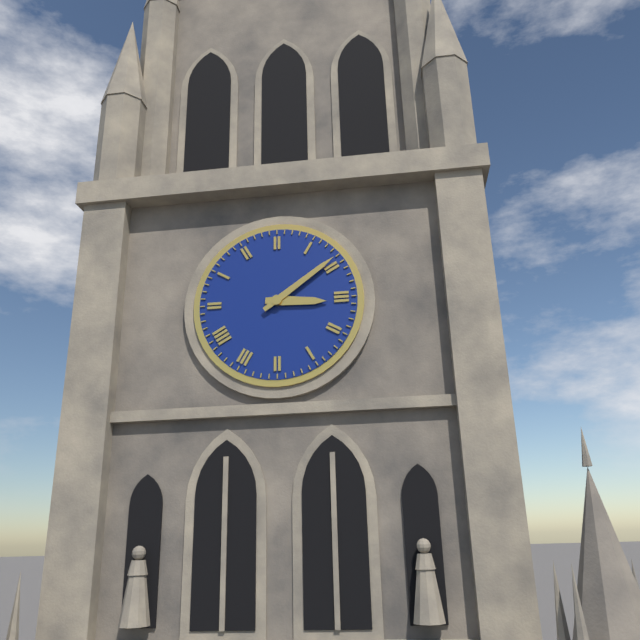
3:09
